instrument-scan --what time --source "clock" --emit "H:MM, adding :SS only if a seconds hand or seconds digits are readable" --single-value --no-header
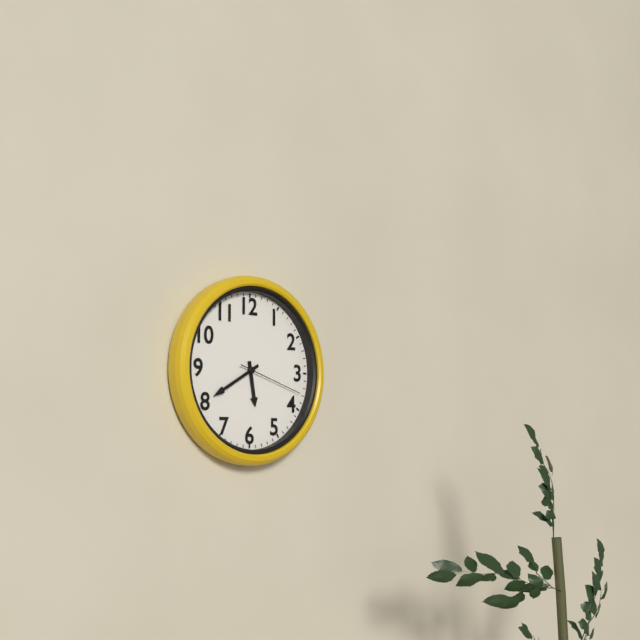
5:40:18
